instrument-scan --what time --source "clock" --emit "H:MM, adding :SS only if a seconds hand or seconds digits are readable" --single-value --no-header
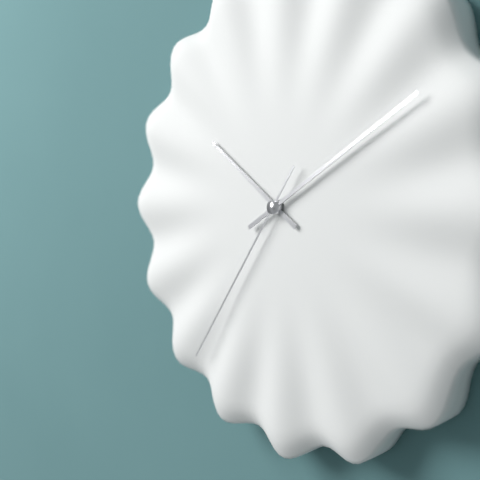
10:10:36
